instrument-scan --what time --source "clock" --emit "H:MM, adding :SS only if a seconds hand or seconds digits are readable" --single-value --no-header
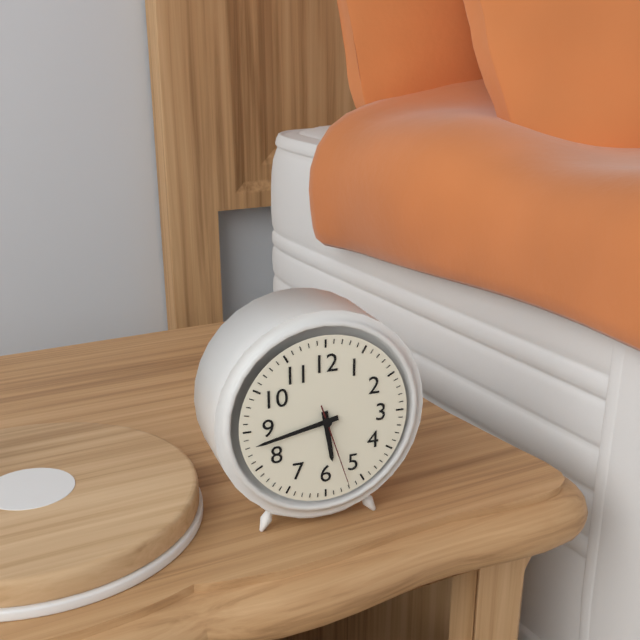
5:43:27
